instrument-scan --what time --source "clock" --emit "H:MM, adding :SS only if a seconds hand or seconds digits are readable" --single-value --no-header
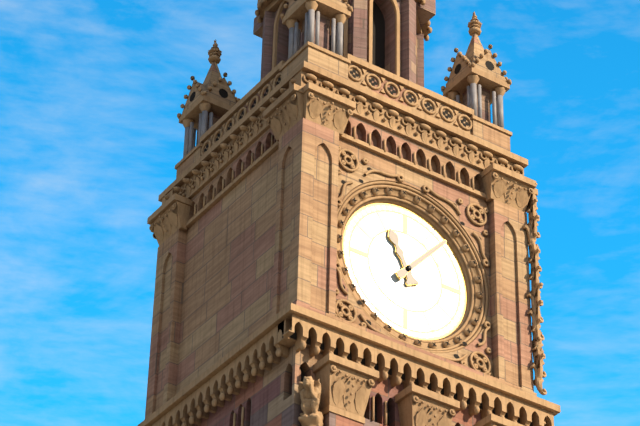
11:07
